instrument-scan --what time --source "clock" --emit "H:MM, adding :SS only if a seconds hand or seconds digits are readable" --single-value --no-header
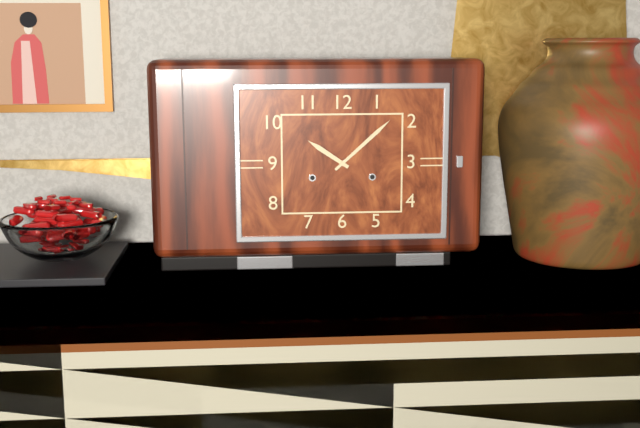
10:08
